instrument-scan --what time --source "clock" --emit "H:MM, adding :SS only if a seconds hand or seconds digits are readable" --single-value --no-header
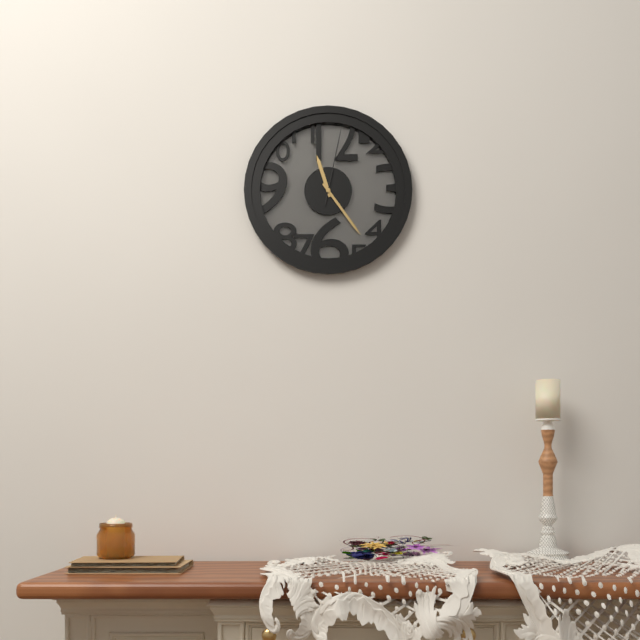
11:24:02
